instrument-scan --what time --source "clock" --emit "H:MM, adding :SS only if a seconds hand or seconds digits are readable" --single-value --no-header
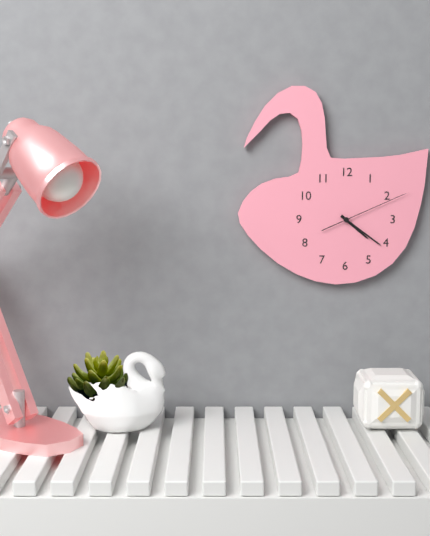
4:21:11
